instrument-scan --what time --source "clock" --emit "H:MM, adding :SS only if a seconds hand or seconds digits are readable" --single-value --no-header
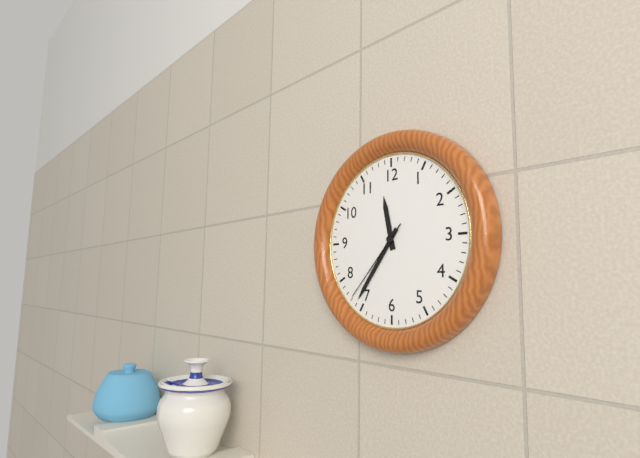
11:36:37
